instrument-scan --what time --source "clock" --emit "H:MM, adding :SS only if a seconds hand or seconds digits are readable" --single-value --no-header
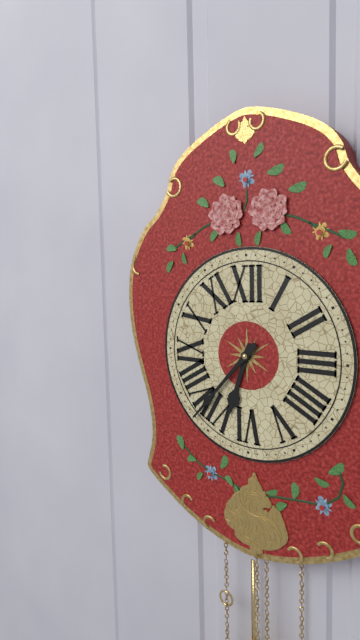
6:37
